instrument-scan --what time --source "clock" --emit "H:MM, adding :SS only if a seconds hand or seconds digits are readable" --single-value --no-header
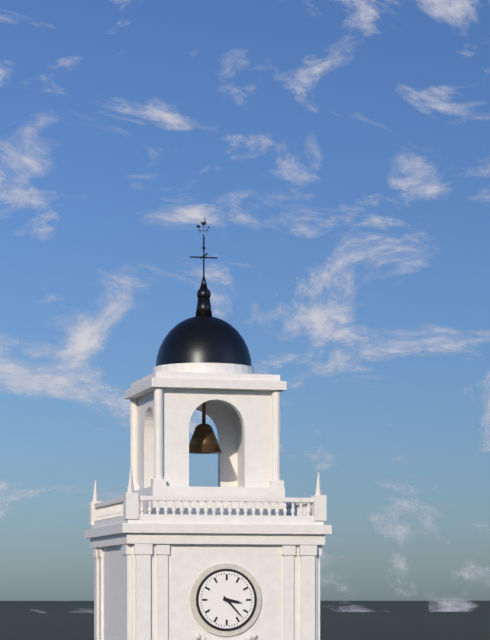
3:23
